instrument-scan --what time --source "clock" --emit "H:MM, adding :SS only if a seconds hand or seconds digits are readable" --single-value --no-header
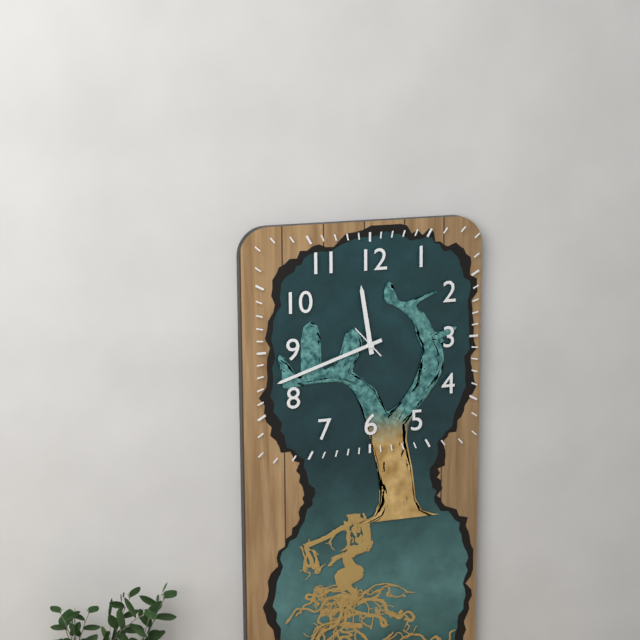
11:42
